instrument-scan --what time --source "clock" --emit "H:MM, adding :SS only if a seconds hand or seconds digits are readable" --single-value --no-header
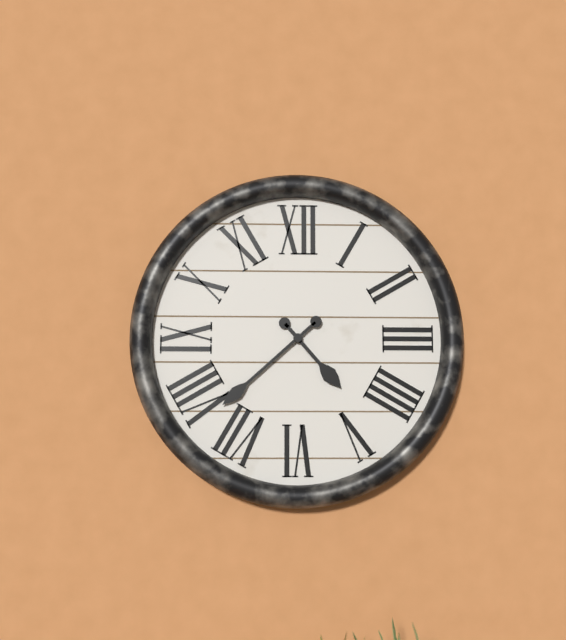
4:38
